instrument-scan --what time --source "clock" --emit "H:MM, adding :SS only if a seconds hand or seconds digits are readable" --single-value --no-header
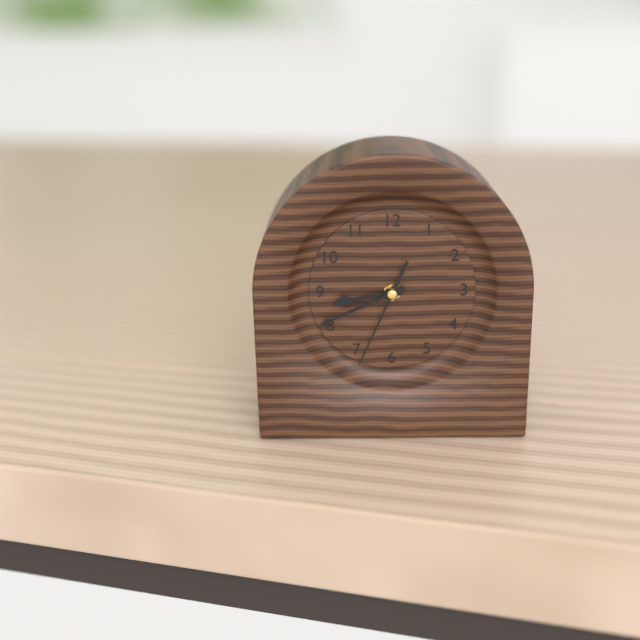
8:41:34
